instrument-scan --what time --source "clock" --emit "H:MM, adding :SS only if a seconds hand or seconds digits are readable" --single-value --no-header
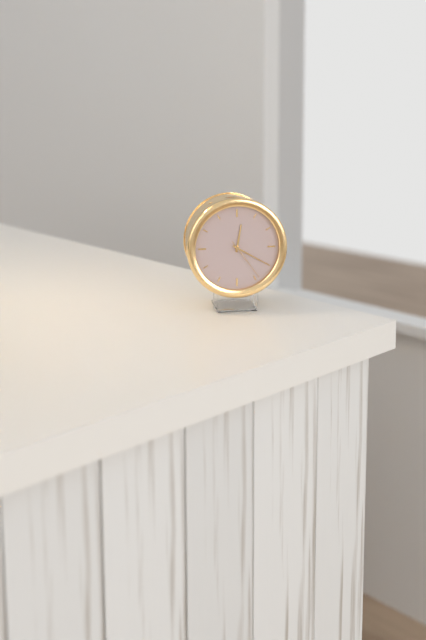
12:20
